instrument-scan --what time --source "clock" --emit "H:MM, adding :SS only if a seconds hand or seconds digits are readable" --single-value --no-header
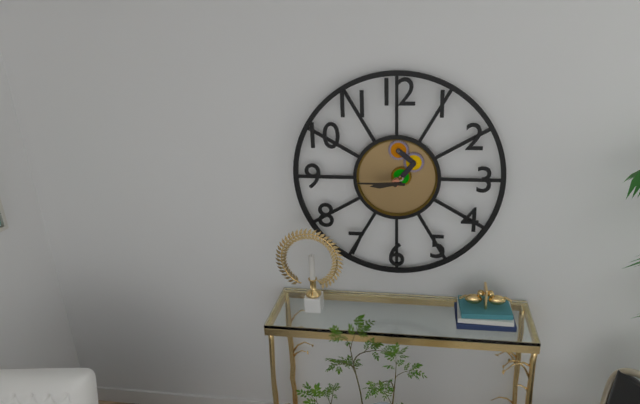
8:45
